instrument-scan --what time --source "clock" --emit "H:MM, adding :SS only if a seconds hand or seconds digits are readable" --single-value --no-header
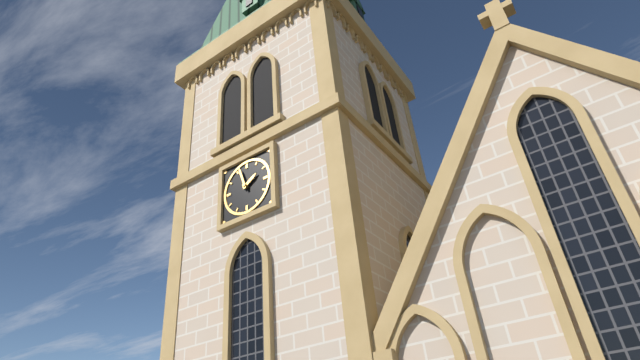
1:57
